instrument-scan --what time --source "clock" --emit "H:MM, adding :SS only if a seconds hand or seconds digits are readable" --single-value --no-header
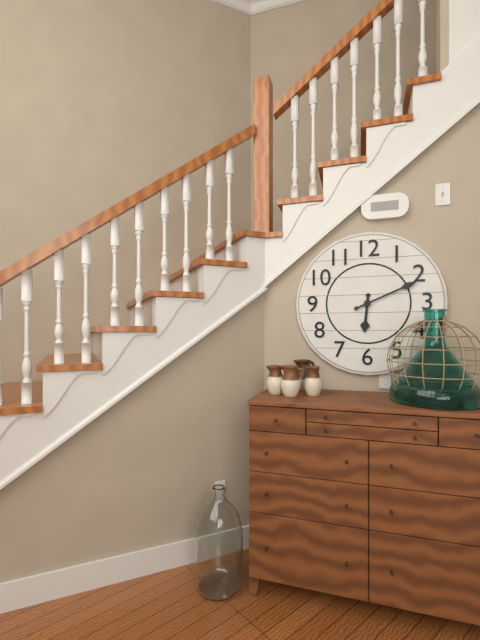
6:11
